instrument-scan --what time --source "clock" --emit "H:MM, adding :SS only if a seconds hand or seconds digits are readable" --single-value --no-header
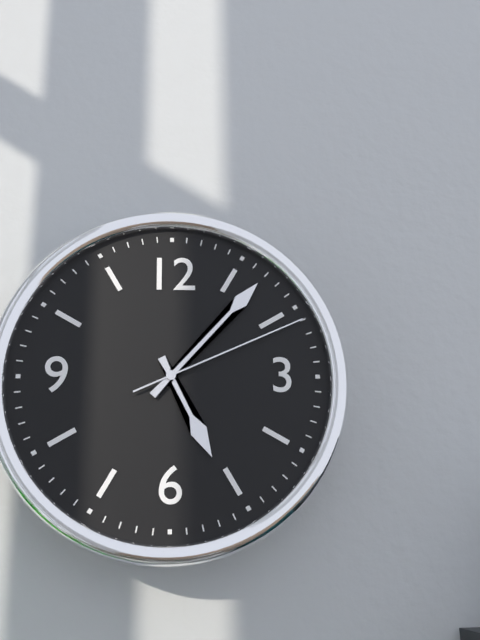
5:07:11
